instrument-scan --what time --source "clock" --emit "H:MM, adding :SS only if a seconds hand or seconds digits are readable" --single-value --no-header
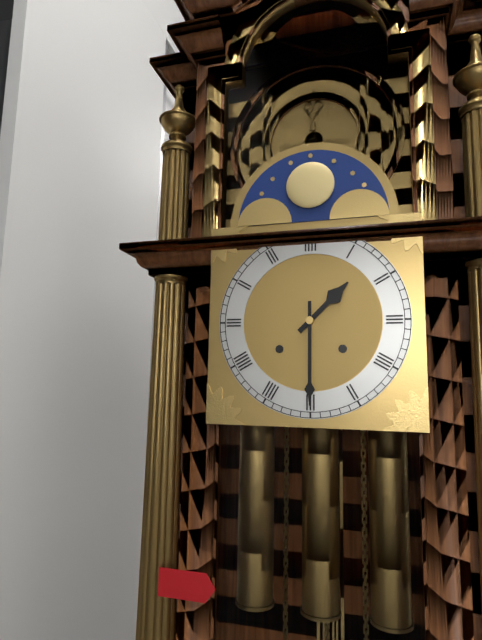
1:30
